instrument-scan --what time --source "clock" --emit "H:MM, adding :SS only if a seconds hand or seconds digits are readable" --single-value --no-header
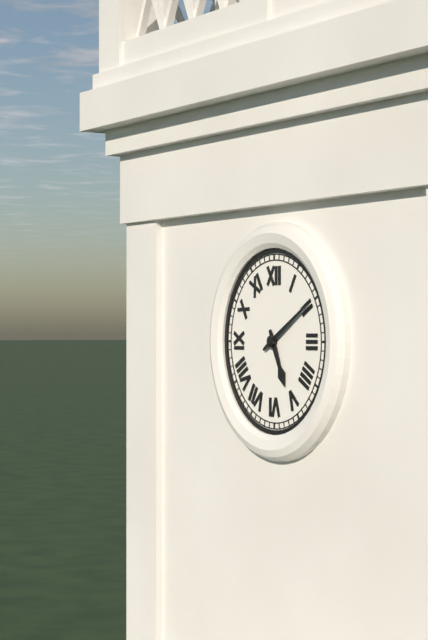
5:10
